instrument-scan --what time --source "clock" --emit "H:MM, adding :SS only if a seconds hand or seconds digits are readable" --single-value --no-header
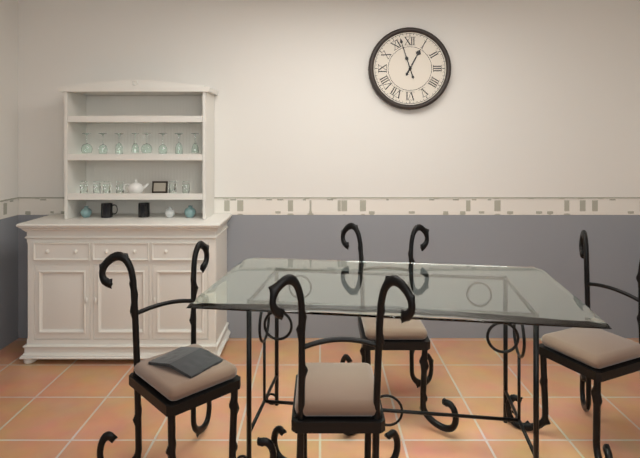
12:57
